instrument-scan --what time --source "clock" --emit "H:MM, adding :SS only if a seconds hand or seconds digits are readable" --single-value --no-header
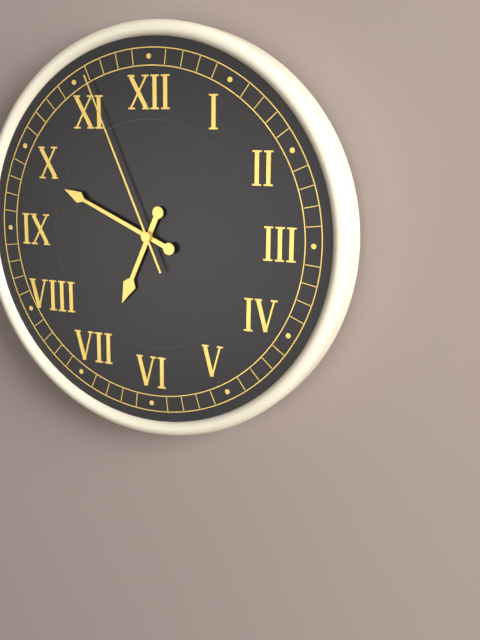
6:49:56
